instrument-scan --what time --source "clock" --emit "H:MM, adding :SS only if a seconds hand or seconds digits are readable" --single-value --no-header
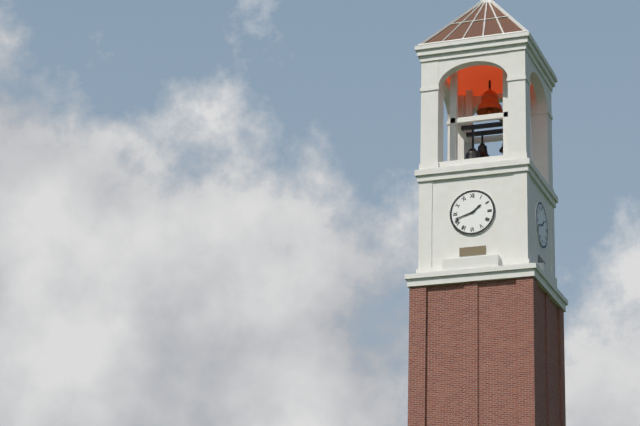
1:42
